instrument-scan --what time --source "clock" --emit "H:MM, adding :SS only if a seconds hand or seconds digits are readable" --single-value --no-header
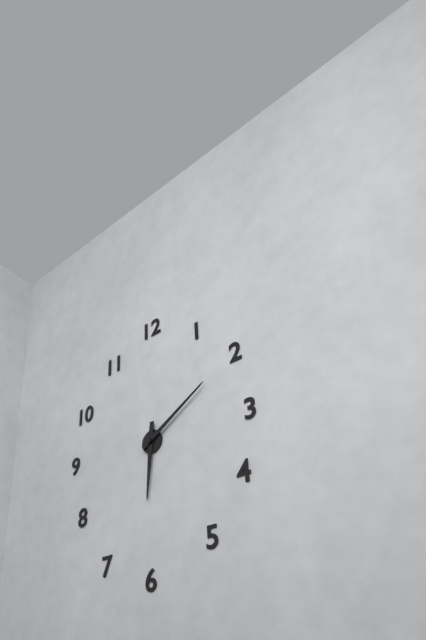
6:10
